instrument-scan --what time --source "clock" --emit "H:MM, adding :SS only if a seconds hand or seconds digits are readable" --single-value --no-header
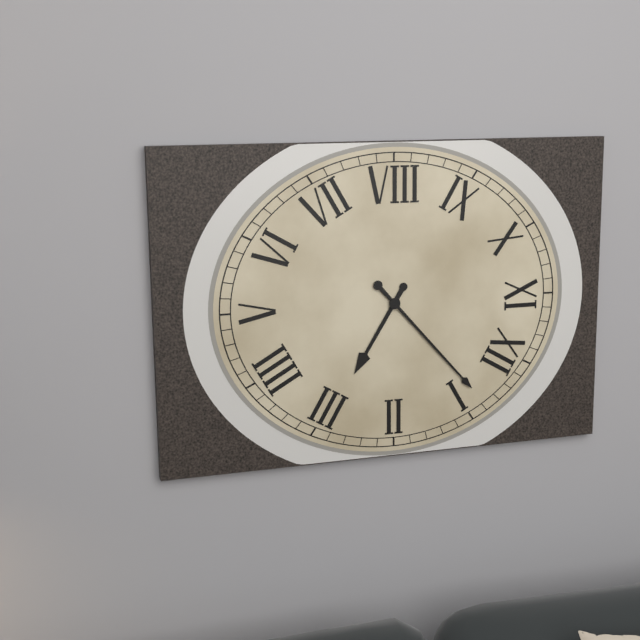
3:03
